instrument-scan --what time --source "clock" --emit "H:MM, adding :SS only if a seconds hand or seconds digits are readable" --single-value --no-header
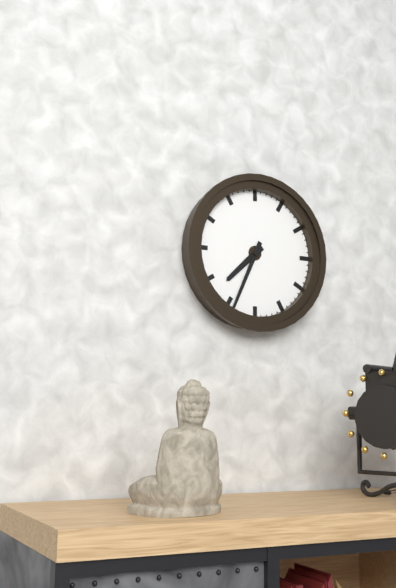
7:34
